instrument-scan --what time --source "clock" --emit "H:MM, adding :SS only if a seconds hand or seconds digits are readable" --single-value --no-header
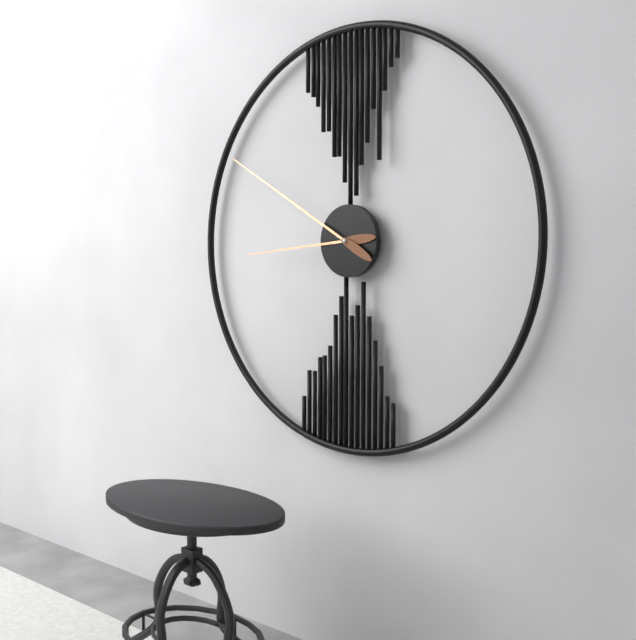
8:50
